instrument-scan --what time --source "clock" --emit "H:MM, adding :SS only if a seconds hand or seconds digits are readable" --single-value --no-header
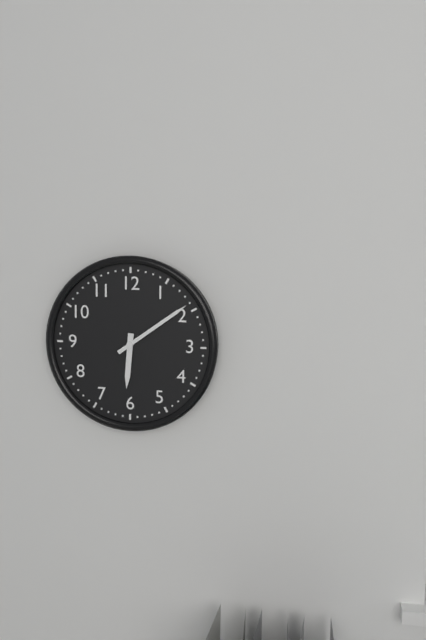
6:09
